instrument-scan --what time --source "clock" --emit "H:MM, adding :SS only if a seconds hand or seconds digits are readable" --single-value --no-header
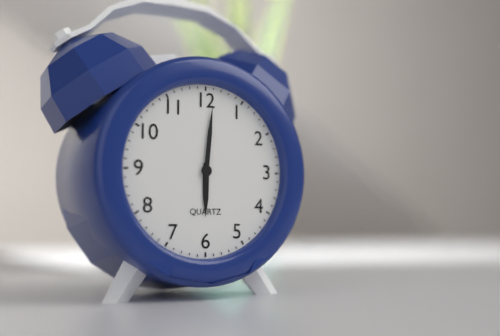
6:01
